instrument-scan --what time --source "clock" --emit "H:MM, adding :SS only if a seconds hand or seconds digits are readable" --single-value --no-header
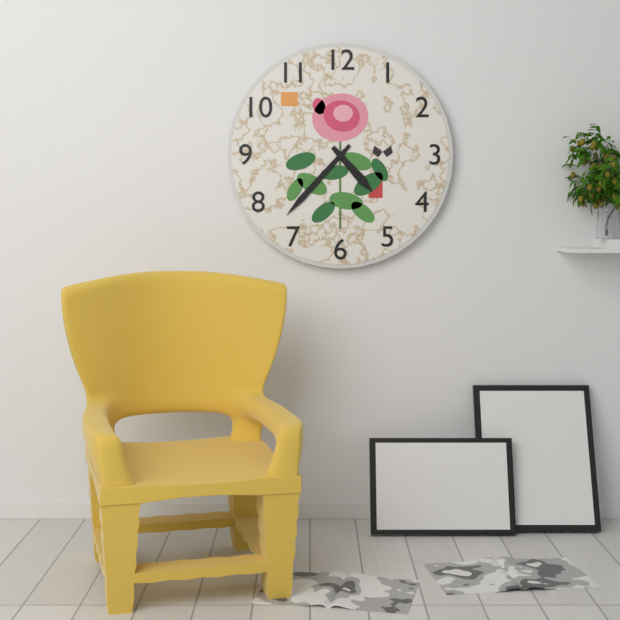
4:37
